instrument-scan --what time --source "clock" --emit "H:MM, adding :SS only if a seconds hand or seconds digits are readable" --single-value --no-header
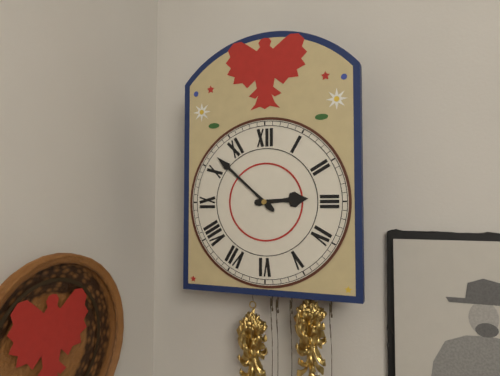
2:52
